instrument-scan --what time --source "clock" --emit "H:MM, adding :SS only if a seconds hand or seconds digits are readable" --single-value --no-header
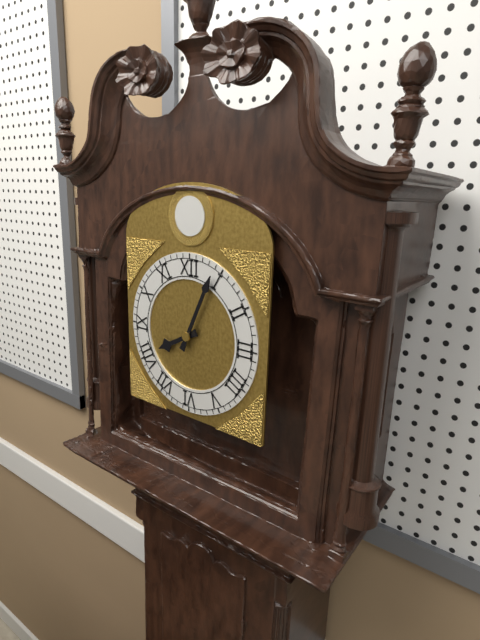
8:04
